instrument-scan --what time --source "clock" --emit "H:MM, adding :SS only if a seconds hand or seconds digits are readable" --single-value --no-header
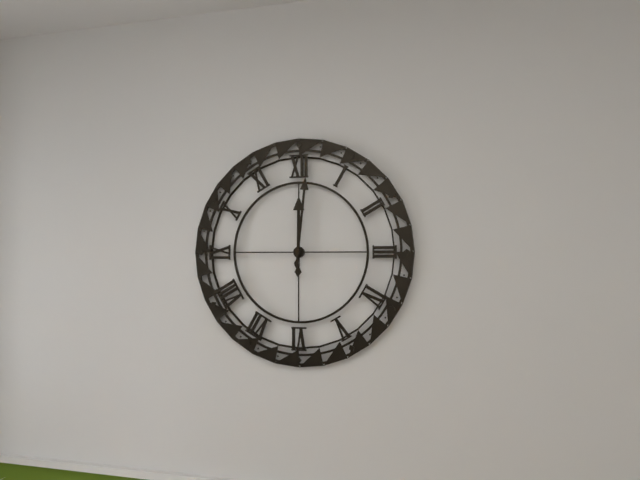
12:01
